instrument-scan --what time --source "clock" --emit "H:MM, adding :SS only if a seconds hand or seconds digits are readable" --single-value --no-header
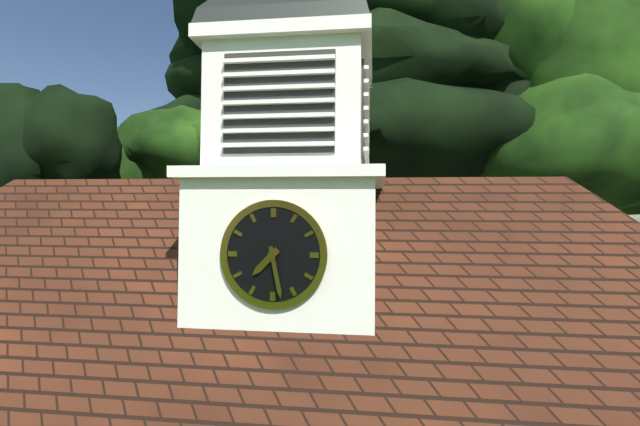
7:28
